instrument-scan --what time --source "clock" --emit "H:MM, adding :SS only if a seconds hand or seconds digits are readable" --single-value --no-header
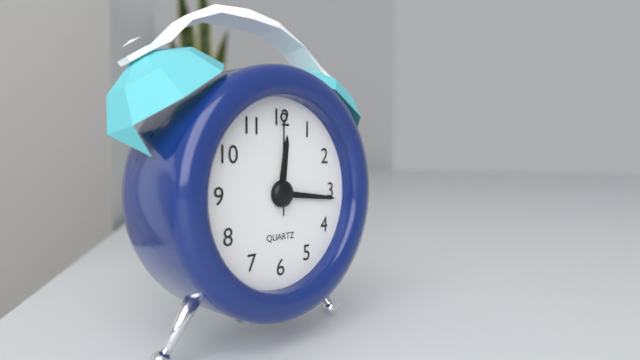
12:16:00
